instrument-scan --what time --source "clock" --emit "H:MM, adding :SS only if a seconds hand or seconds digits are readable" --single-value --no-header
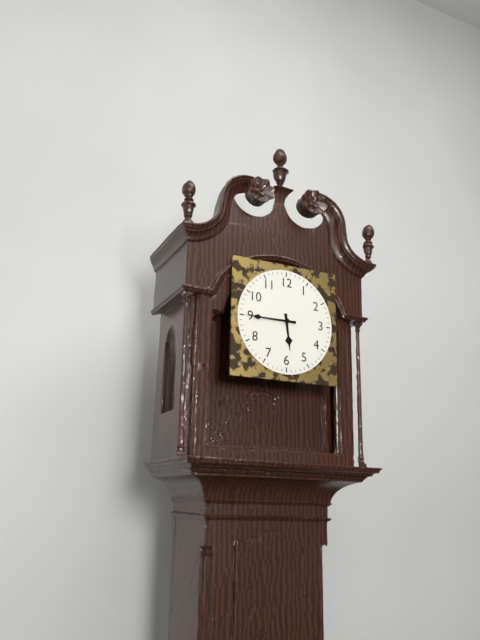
5:45
